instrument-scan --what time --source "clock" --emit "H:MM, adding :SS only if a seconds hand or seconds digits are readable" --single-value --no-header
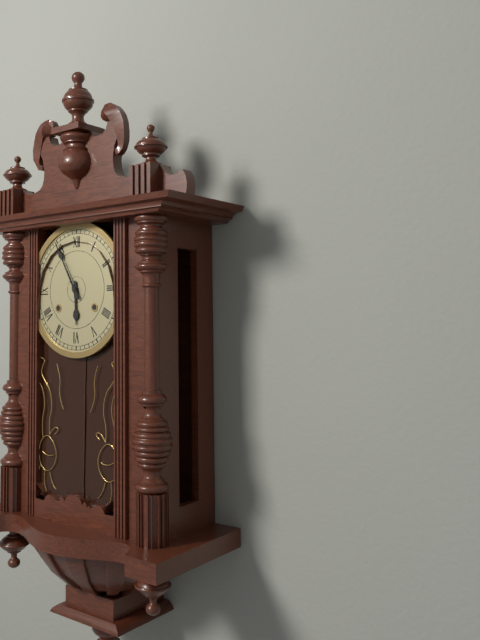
5:55
